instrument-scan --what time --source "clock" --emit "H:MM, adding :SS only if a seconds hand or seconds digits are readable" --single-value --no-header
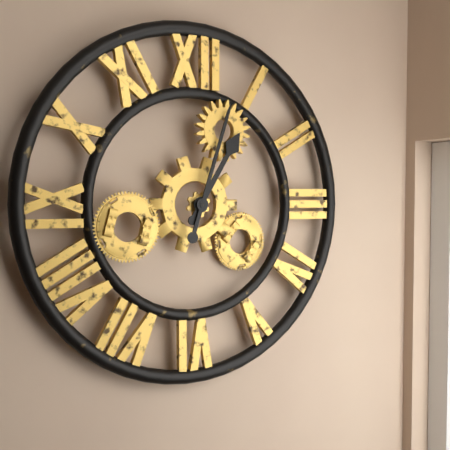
1:03
